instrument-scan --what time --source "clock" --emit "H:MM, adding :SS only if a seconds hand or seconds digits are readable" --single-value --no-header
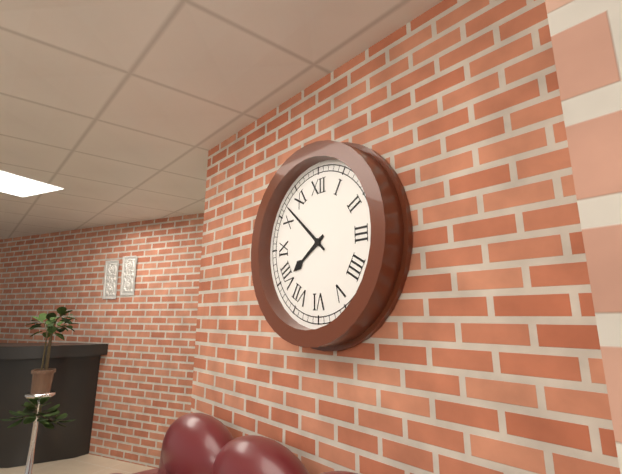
7:52
